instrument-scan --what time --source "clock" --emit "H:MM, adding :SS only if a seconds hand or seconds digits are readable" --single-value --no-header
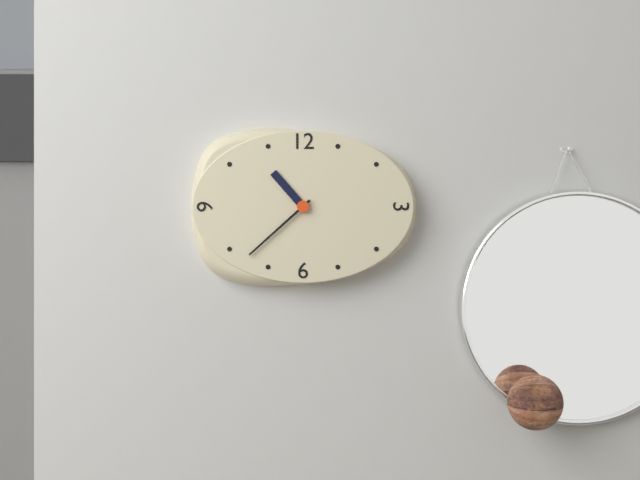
10:38
